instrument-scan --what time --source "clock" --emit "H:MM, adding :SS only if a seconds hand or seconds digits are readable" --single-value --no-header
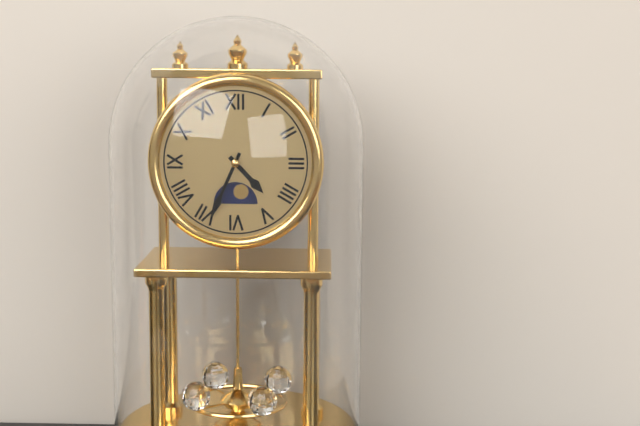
4:34
